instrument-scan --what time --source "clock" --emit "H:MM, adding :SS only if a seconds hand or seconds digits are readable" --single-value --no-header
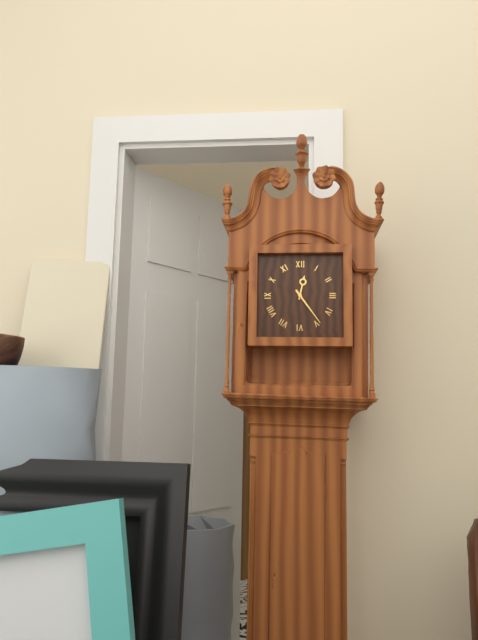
12:24
